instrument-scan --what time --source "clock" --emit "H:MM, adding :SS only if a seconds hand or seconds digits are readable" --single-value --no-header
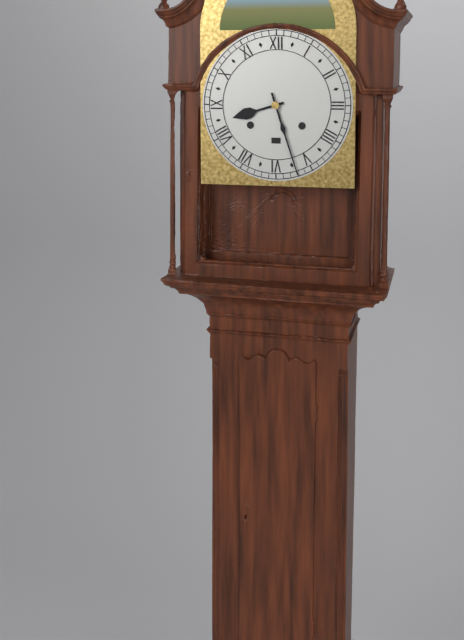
8:27
